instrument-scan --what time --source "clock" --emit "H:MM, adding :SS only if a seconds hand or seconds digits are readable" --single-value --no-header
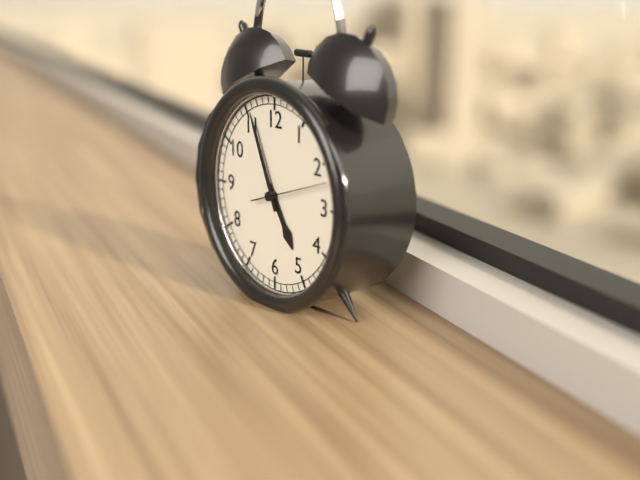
4:56:12
